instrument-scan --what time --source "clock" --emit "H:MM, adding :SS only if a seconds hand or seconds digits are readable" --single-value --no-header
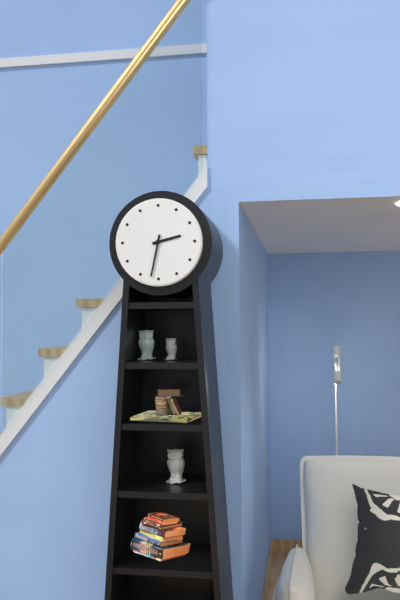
2:32
